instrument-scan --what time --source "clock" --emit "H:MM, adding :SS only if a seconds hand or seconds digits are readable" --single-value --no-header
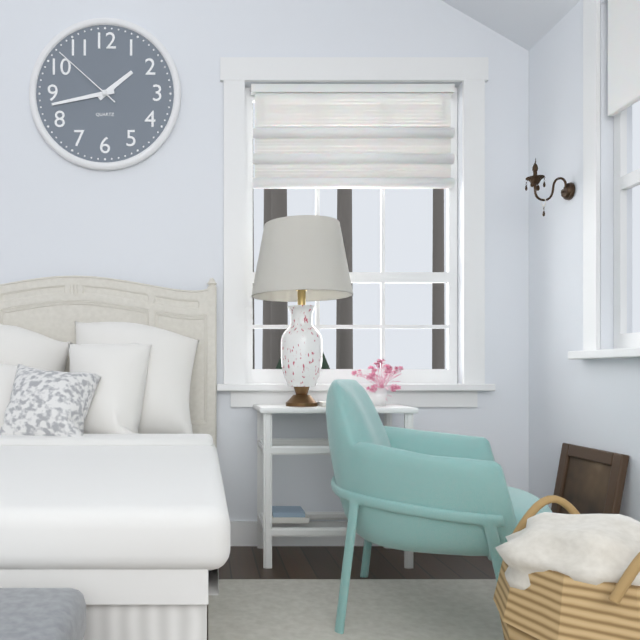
1:43:52
